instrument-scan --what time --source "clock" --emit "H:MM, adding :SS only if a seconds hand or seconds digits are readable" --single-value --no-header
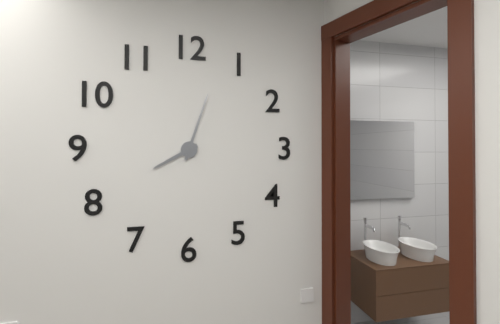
8:03
